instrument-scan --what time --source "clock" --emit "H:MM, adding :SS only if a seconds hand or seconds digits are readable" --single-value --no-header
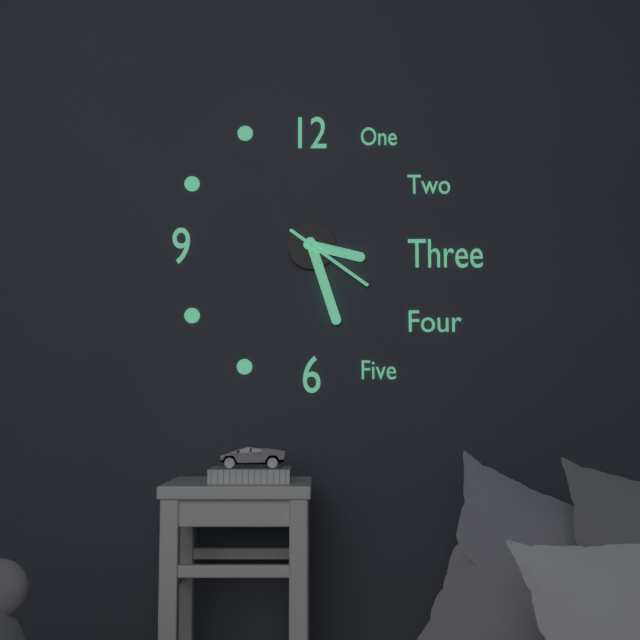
3:27:21
